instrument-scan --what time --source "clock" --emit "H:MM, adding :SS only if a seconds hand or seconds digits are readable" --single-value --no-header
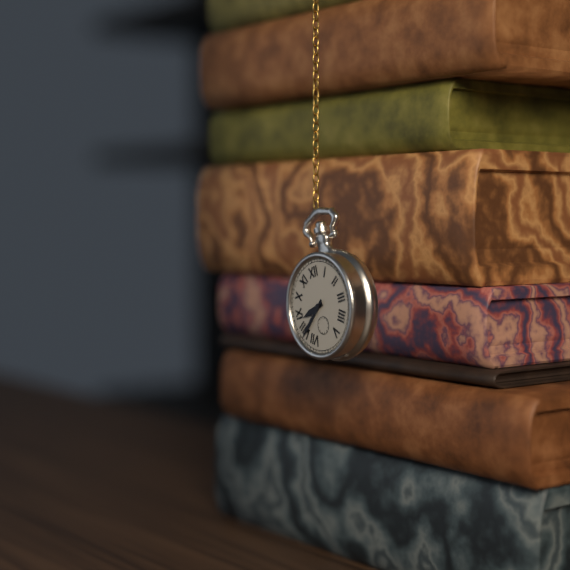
8:39
